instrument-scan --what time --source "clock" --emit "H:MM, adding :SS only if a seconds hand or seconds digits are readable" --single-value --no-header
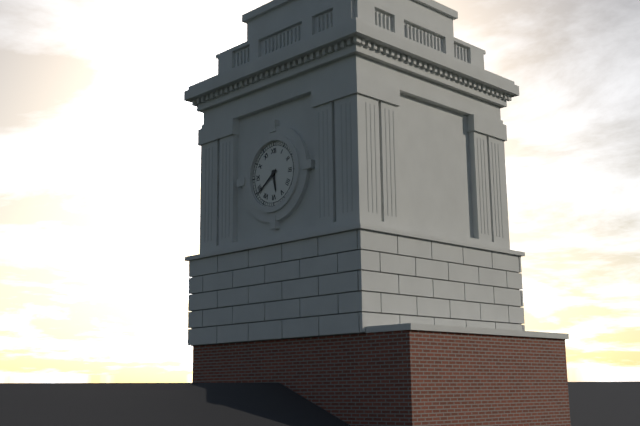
5:39
